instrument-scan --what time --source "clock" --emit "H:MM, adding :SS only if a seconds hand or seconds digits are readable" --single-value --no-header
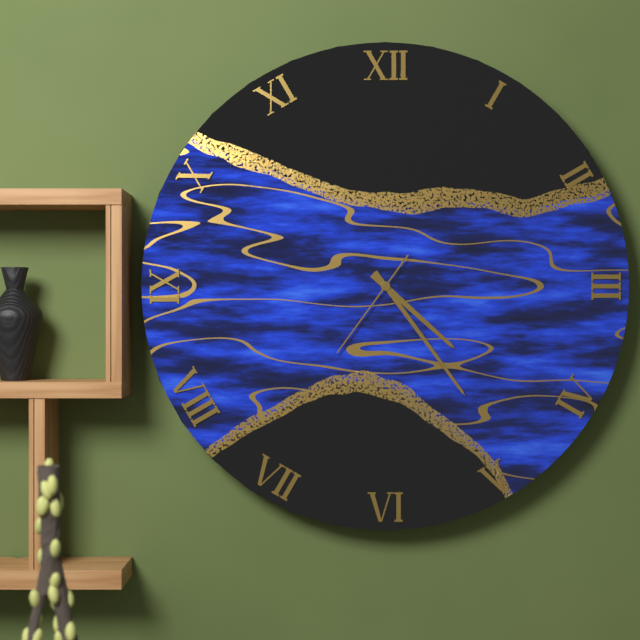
4:24:36
